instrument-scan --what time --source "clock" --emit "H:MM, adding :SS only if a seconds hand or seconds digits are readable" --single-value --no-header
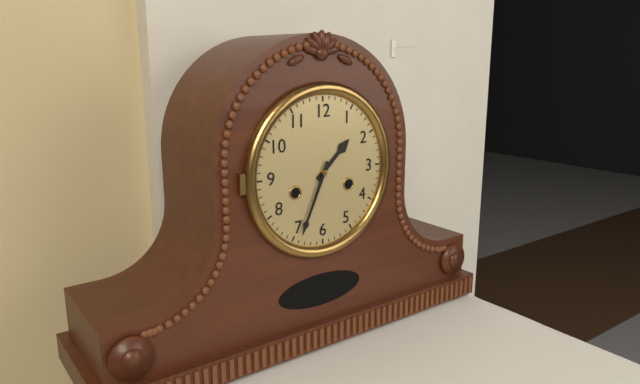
1:34
